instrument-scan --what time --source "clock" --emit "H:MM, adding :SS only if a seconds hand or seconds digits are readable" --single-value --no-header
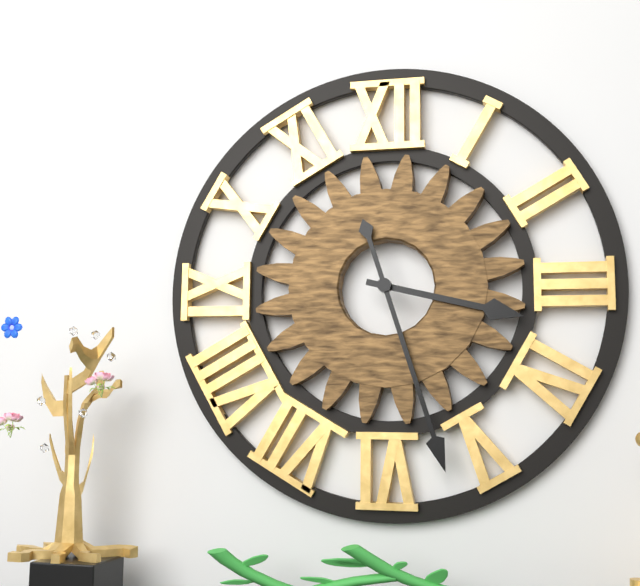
3:27
